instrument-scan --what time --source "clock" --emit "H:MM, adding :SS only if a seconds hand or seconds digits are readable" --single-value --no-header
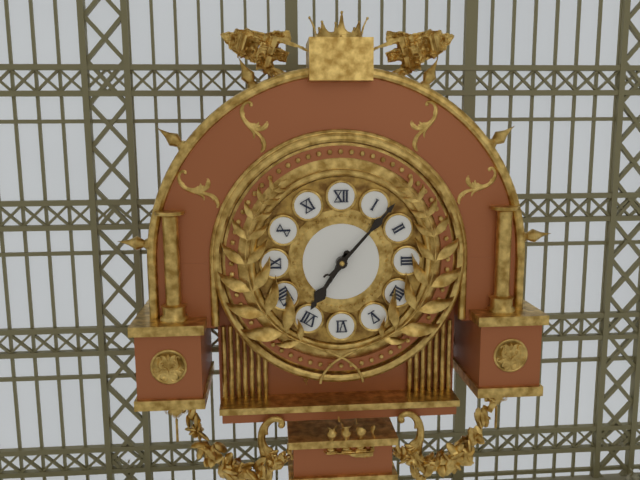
7:07
